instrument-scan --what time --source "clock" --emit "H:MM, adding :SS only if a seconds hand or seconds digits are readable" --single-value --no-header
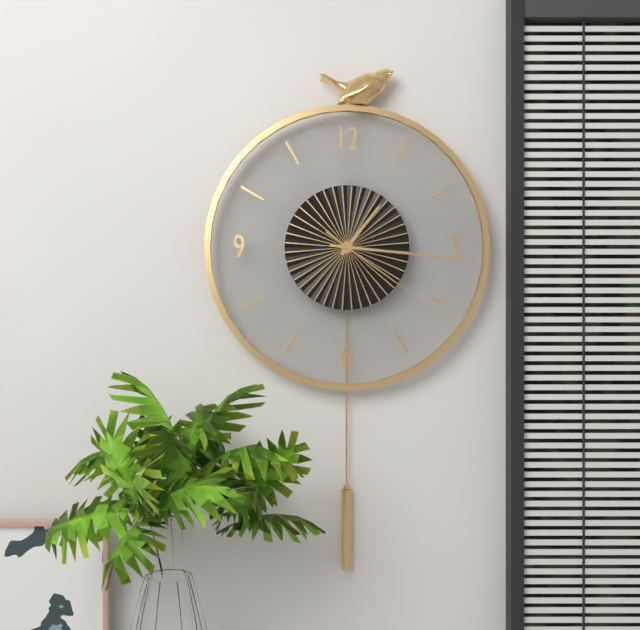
1:16:21
